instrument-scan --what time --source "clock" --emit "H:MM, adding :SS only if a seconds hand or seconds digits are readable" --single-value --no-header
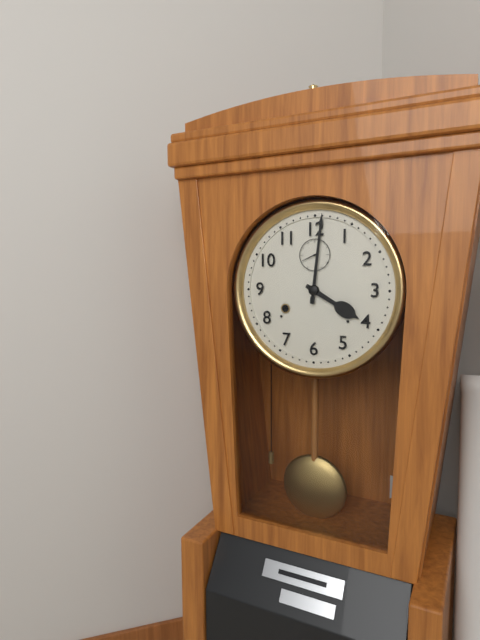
4:01
